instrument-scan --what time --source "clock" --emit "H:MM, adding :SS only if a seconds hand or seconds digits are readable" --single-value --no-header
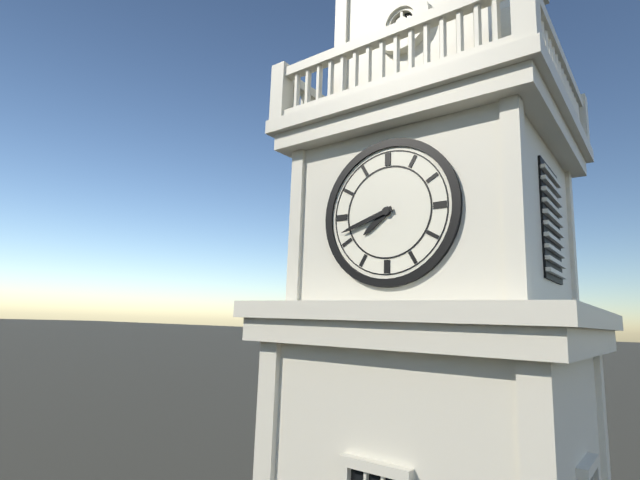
7:42
